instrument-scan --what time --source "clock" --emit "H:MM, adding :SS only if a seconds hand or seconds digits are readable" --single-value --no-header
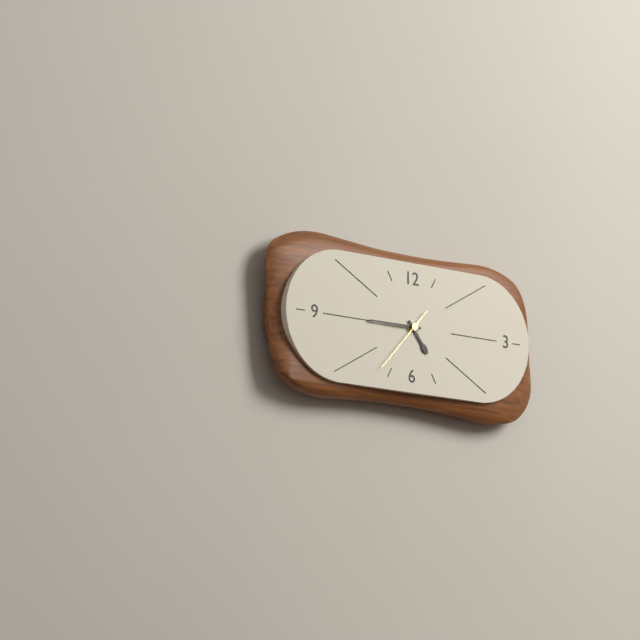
4:45:37
